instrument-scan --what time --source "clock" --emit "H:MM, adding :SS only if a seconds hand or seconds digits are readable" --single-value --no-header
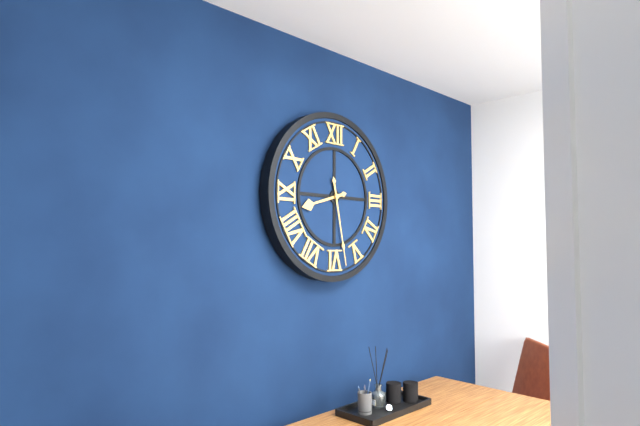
8:28
